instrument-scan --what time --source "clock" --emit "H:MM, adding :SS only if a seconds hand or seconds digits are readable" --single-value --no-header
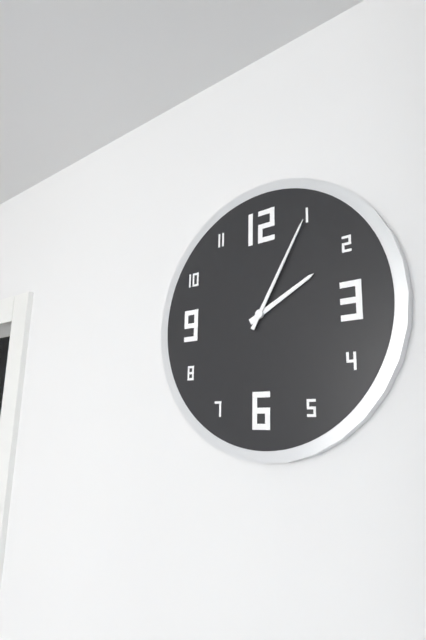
2:05
